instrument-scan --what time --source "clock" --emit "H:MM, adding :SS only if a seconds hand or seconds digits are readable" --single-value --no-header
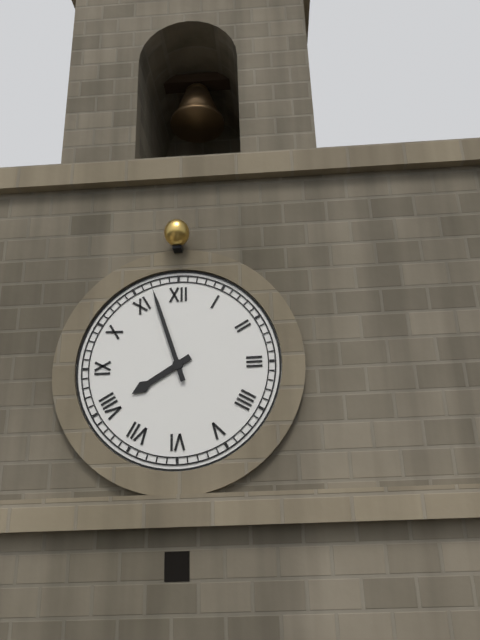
7:57
